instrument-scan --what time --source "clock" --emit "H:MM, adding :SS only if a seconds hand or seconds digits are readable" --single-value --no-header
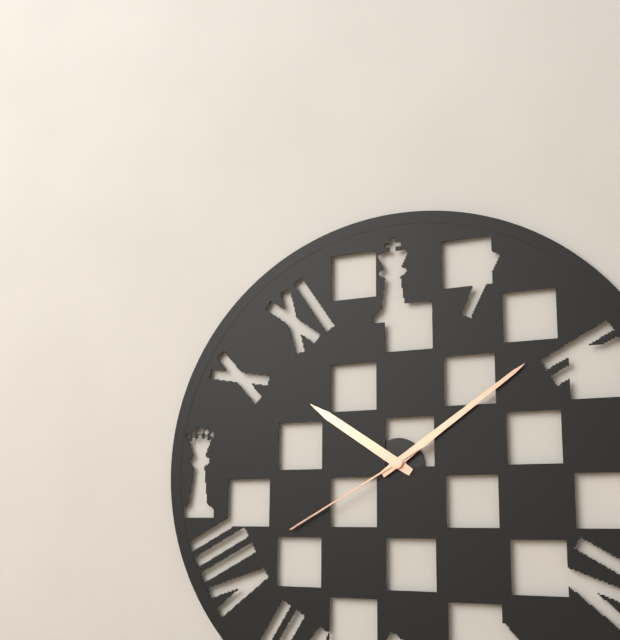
10:09:40
